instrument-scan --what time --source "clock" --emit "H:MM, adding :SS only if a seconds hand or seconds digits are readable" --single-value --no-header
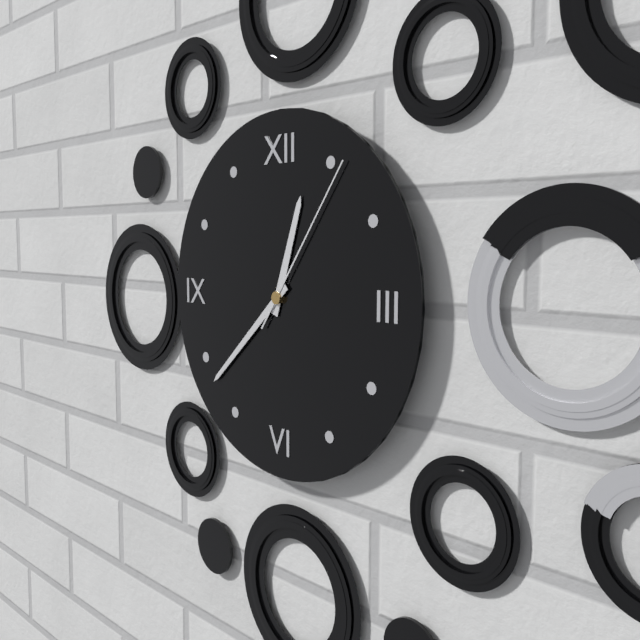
12:38:06
